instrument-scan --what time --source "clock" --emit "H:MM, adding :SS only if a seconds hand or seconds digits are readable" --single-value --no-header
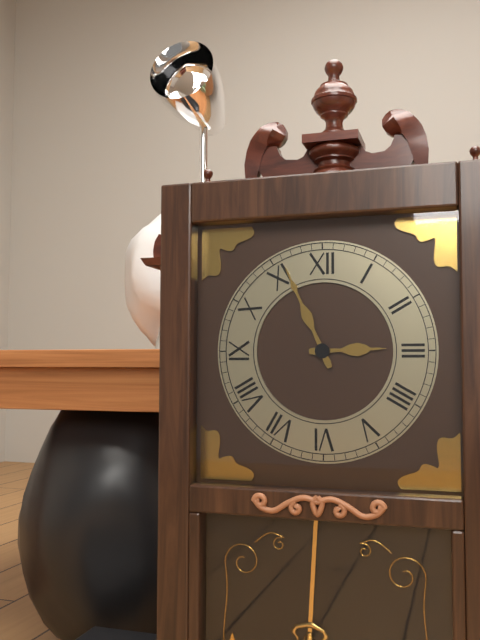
2:56
